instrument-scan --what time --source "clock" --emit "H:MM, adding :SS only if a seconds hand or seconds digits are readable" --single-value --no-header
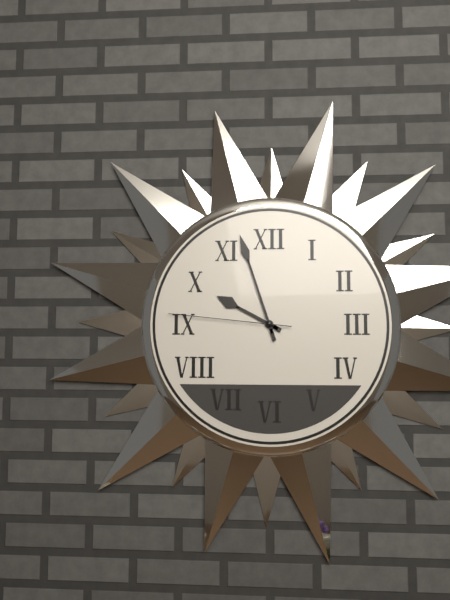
9:57:46
